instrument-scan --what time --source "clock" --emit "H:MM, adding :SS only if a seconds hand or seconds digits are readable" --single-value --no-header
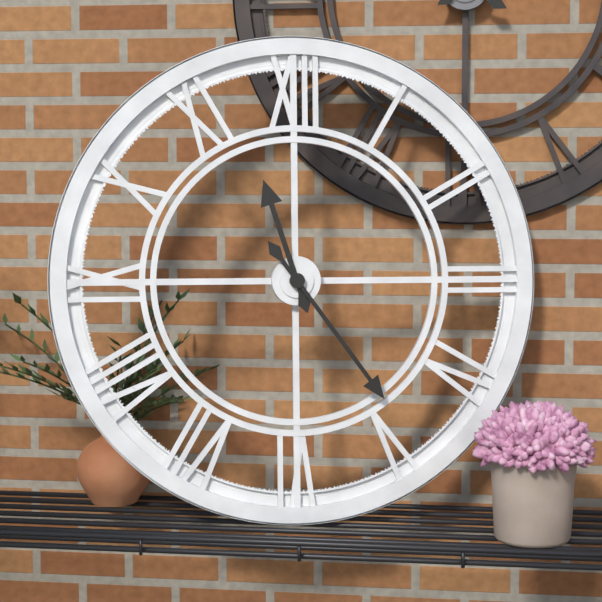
11:24
